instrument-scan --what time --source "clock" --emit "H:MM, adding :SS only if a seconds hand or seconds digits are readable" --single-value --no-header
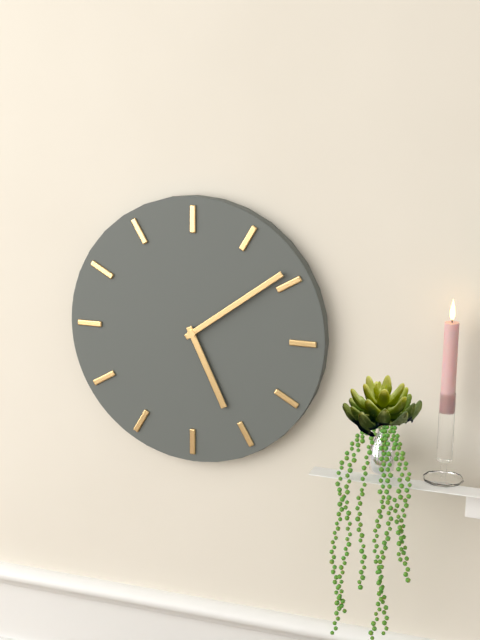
5:09
